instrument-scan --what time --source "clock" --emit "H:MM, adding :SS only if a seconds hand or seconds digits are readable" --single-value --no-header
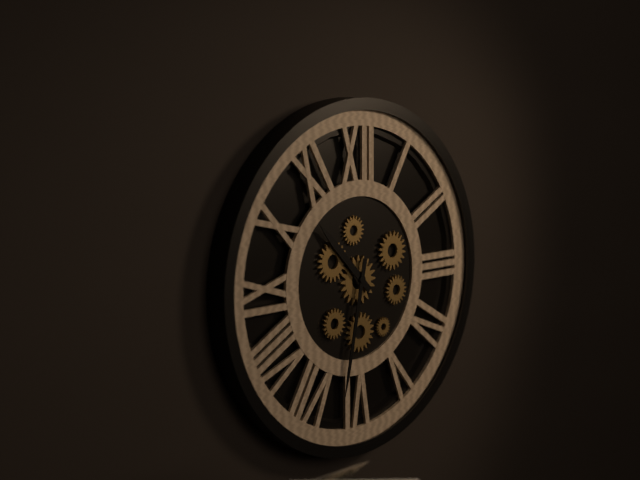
10:32
